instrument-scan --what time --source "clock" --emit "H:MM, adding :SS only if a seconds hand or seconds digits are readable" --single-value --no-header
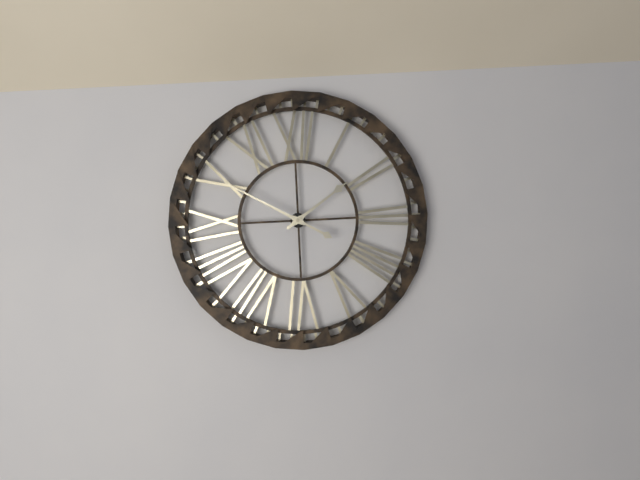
1:50
